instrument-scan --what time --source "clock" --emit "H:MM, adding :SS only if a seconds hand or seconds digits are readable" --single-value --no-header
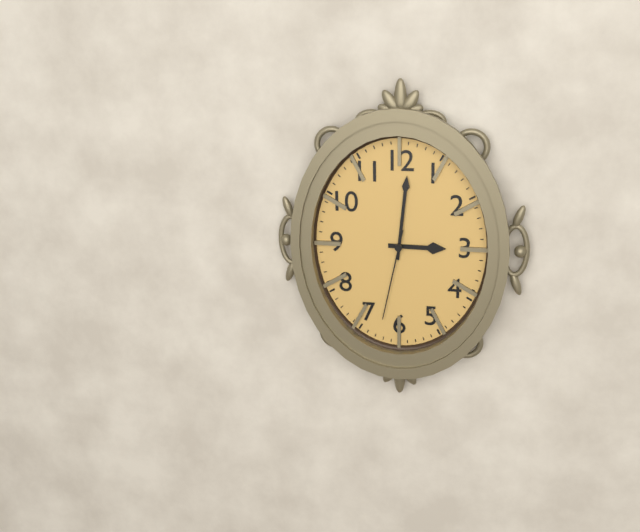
3:01:32
